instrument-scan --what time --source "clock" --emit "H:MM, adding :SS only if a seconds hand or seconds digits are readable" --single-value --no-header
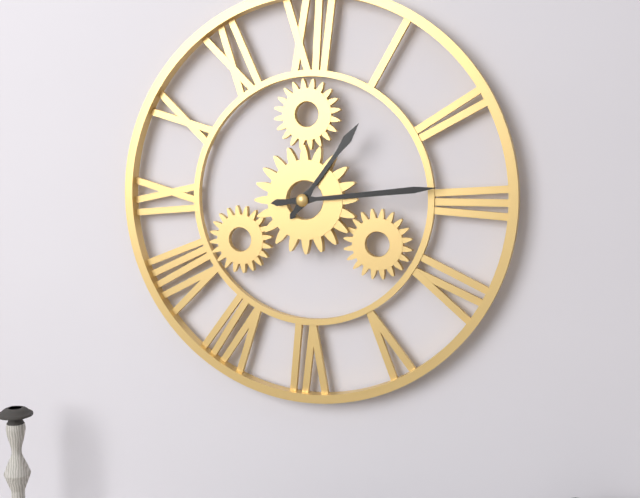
1:14
